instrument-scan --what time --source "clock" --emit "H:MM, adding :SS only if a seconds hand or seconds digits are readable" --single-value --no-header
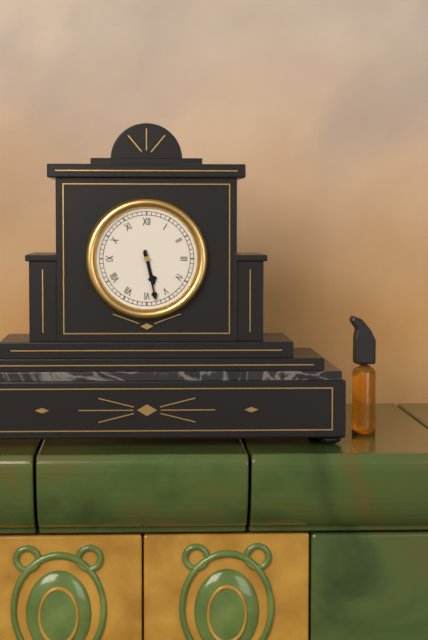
5:28
